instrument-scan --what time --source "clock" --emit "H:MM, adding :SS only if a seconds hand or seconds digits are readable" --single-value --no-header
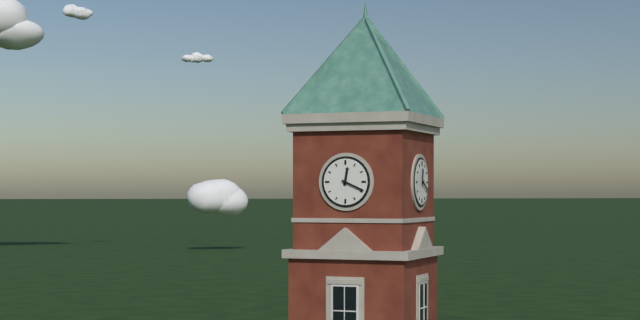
12:19
